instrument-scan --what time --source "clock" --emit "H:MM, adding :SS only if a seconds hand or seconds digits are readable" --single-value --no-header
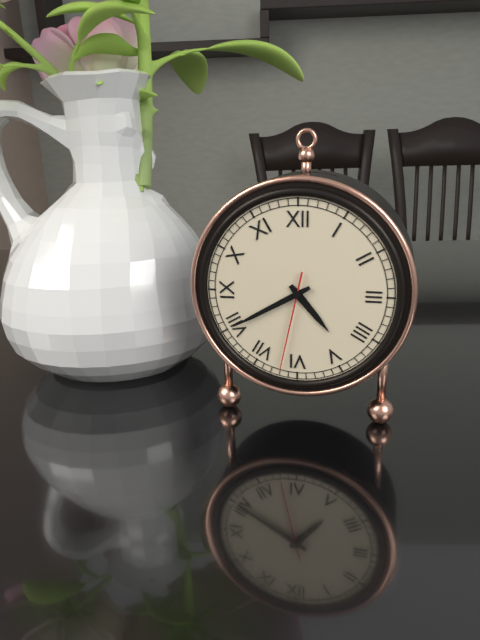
4:40:32
